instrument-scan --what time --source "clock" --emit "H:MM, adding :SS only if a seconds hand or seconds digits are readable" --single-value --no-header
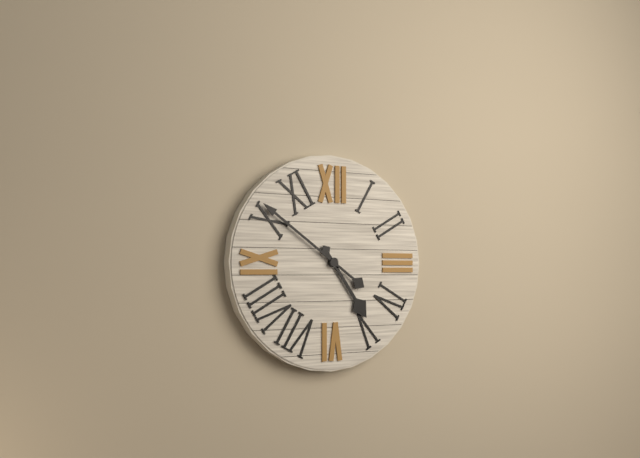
4:51
